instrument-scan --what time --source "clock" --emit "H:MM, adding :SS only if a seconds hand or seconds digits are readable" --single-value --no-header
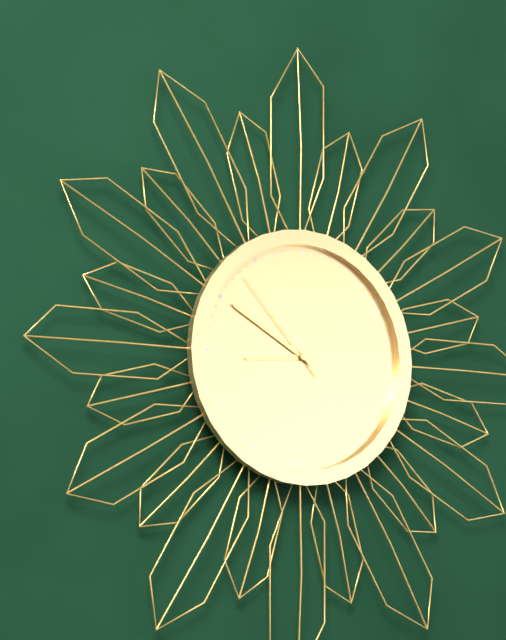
8:50:53
